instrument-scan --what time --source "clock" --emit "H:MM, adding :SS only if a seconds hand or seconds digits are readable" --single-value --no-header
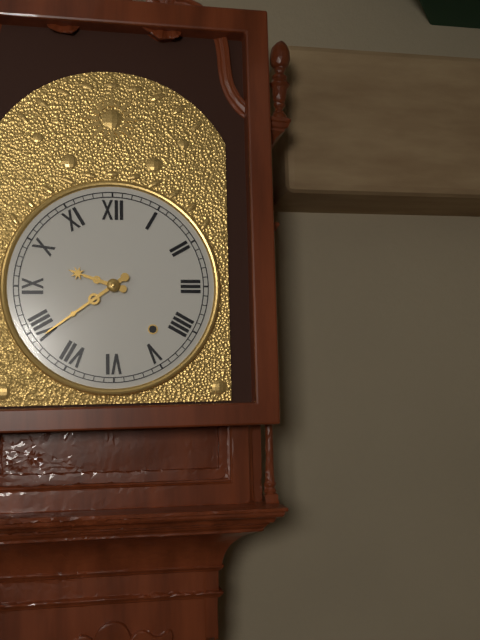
9:39
